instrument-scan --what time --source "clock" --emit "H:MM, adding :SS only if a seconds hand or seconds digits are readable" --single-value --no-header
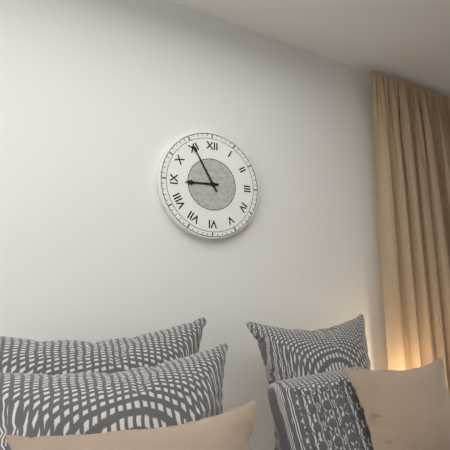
8:55
